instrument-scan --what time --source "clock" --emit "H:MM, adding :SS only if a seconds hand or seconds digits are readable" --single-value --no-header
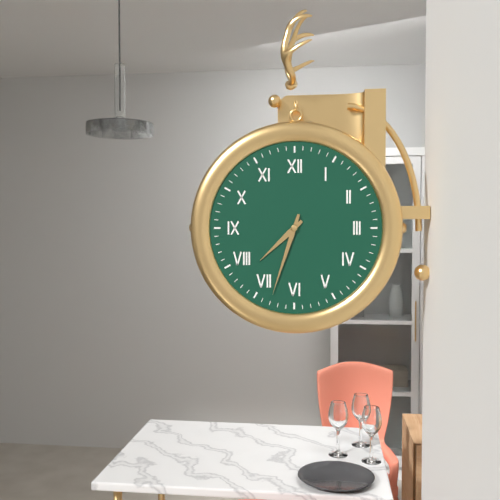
7:33
